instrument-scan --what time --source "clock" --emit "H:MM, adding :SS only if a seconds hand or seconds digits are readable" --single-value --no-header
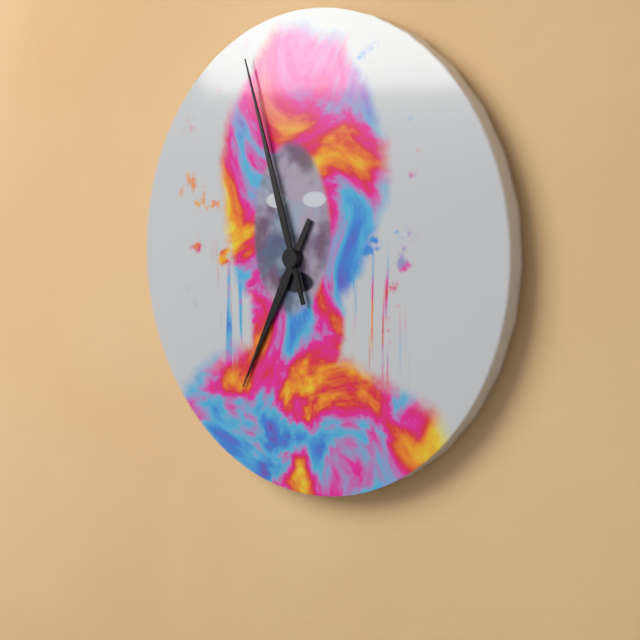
6:57
